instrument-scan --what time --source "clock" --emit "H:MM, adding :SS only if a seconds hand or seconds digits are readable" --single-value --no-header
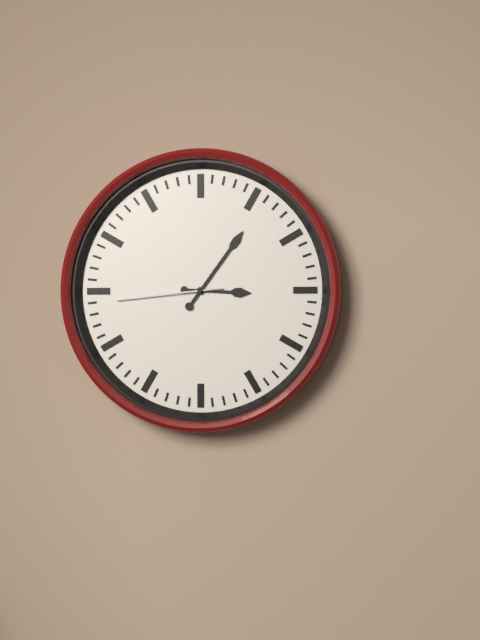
3:06:44
